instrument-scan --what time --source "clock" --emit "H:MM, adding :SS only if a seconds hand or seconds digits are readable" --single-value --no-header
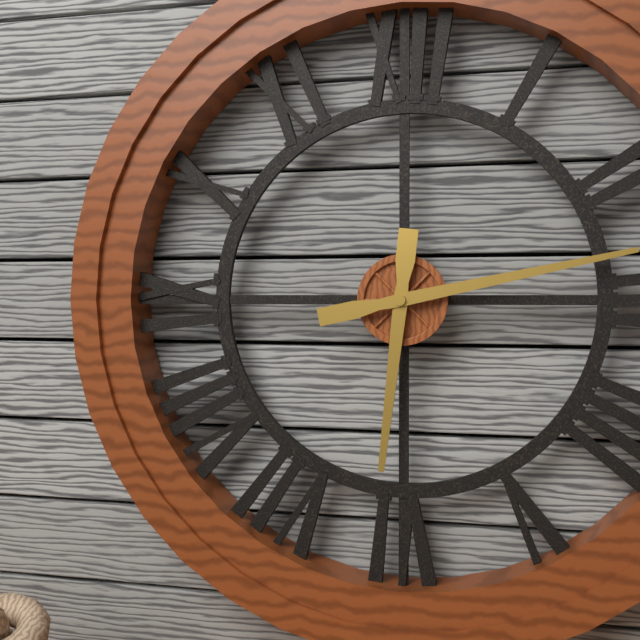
6:13
